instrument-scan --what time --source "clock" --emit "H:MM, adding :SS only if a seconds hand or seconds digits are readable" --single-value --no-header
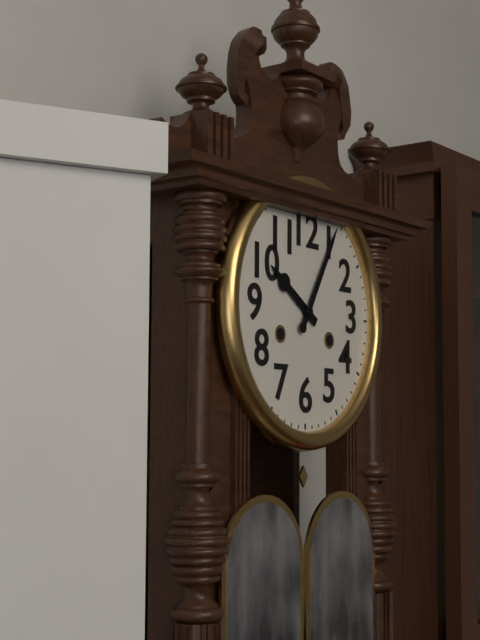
10:05
